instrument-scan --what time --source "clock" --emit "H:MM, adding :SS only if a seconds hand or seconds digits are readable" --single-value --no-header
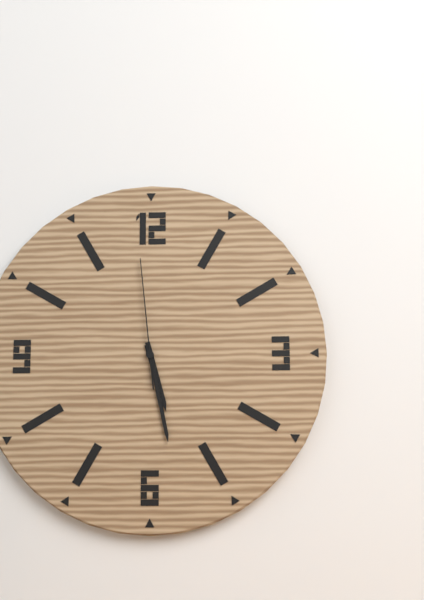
5:28:59
